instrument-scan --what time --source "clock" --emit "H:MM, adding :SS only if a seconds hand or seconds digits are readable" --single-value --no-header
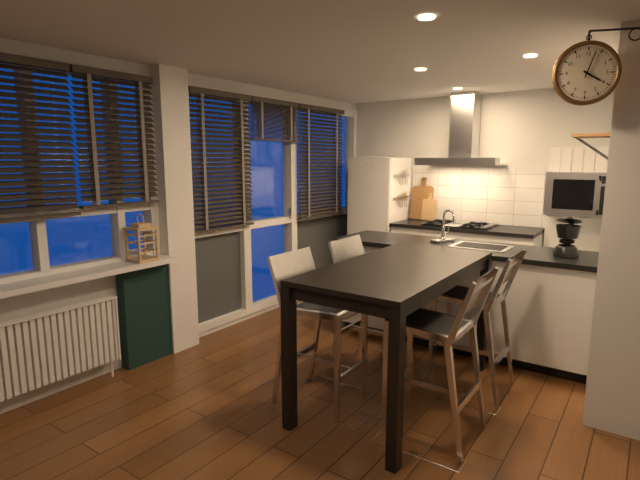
4:03
